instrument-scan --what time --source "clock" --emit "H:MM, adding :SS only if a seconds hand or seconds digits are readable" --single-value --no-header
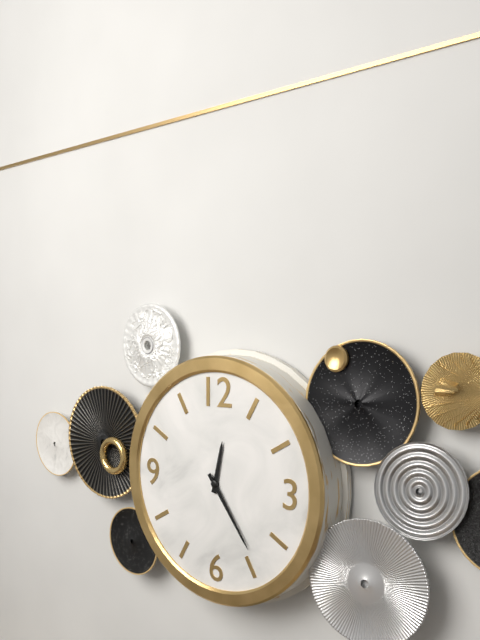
12:24
